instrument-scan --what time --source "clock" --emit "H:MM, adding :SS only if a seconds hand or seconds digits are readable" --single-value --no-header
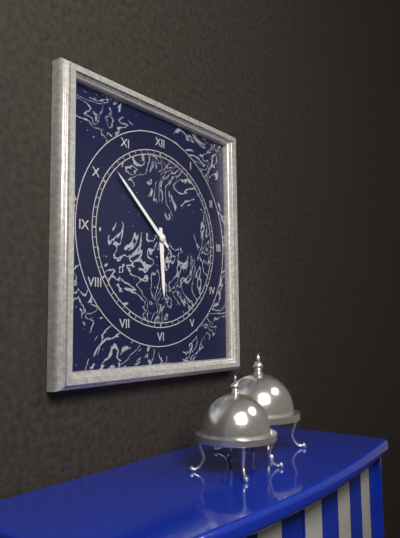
5:52
